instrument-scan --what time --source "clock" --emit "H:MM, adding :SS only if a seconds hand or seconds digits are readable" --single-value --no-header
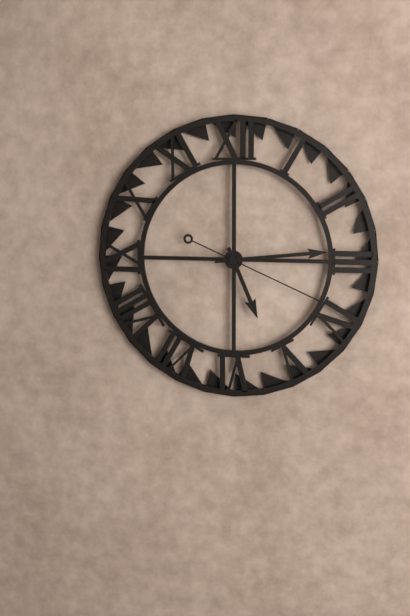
5:14:19
